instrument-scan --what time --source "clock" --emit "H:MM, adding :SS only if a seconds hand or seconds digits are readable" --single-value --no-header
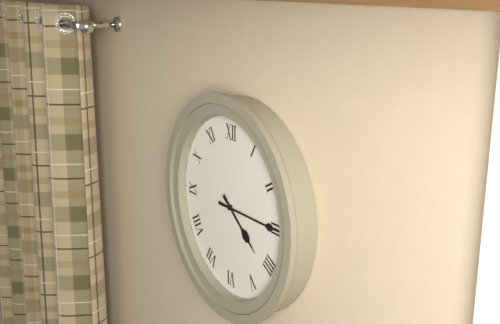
4:15
